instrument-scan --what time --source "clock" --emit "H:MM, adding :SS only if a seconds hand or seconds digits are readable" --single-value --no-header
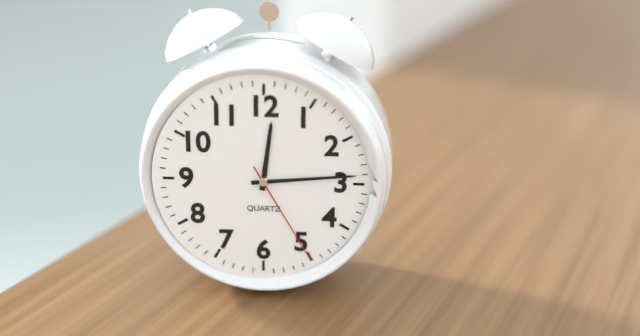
12:14:25
